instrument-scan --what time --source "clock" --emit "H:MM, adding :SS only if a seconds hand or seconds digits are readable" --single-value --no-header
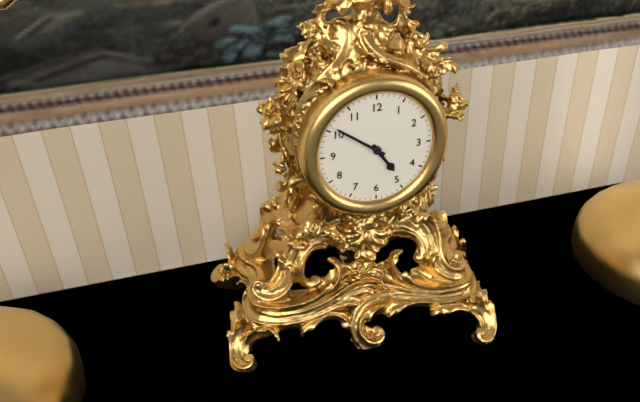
4:51
